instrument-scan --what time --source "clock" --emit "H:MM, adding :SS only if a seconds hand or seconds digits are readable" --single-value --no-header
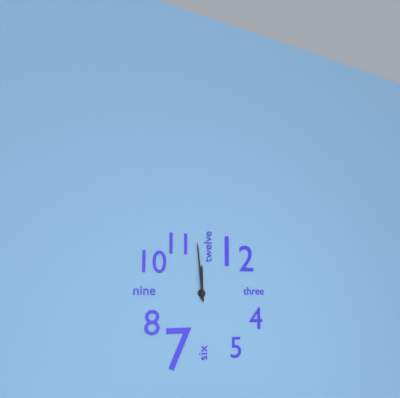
11:59
